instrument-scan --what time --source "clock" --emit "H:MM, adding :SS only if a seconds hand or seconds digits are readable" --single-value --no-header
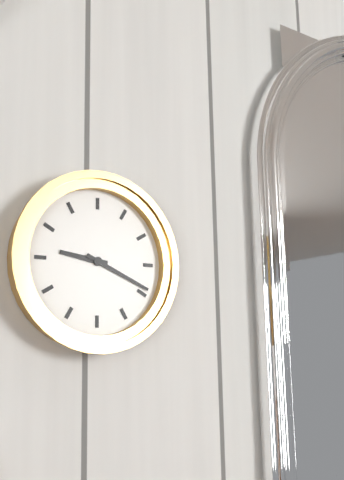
9:19
